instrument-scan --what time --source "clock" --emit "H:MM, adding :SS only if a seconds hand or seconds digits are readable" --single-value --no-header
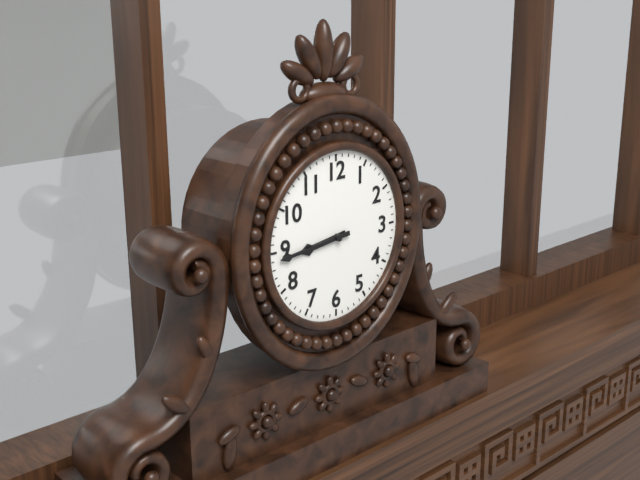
8:44
